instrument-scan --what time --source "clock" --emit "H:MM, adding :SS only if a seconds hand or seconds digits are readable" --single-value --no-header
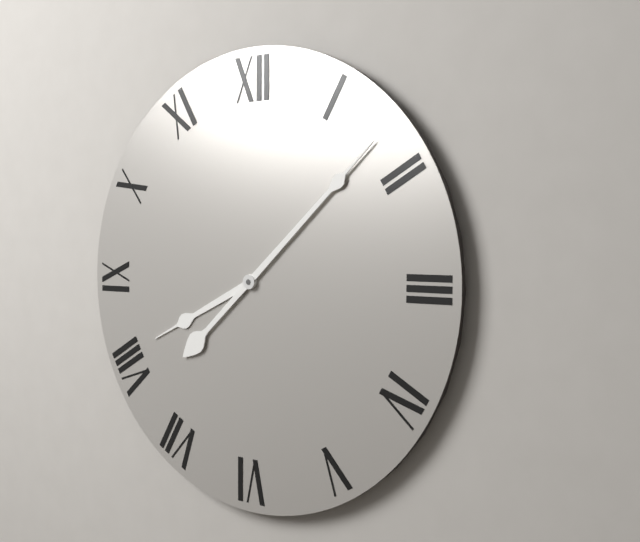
8:08
